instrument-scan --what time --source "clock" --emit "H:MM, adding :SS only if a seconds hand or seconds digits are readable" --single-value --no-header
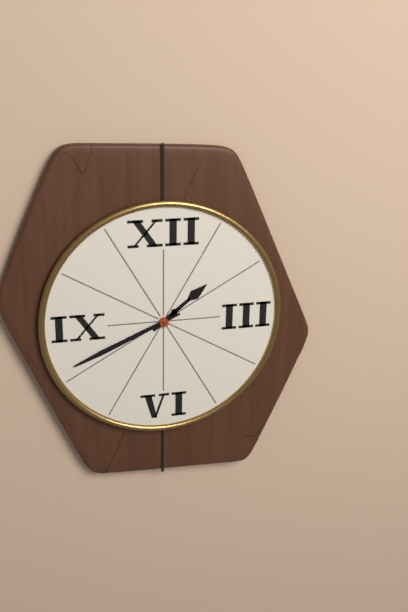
1:41
